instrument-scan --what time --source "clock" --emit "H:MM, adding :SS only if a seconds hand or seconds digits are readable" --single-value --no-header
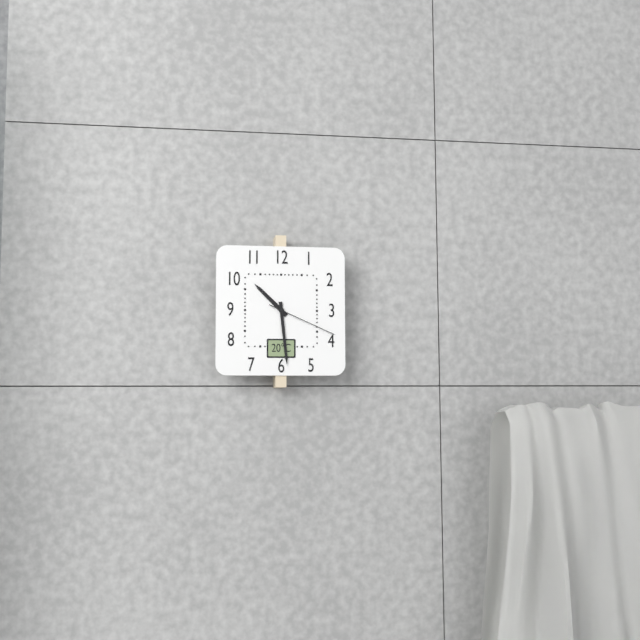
10:29:19
